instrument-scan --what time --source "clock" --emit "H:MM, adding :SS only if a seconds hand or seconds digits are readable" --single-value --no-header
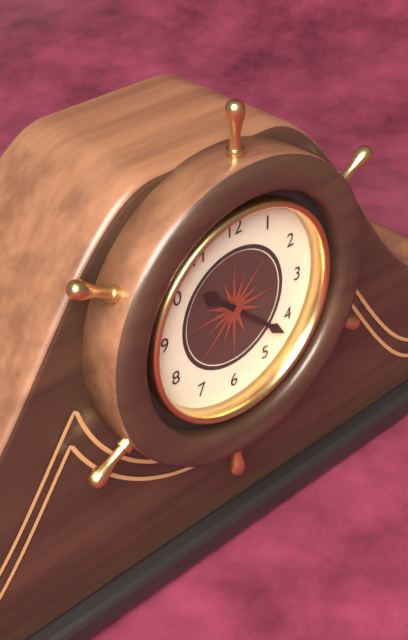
10:22
